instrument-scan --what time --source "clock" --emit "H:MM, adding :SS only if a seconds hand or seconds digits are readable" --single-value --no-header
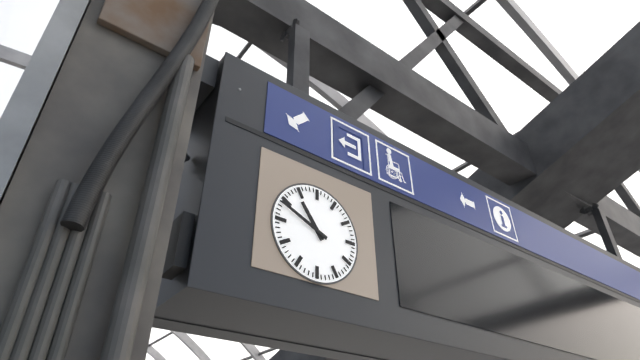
10:49
